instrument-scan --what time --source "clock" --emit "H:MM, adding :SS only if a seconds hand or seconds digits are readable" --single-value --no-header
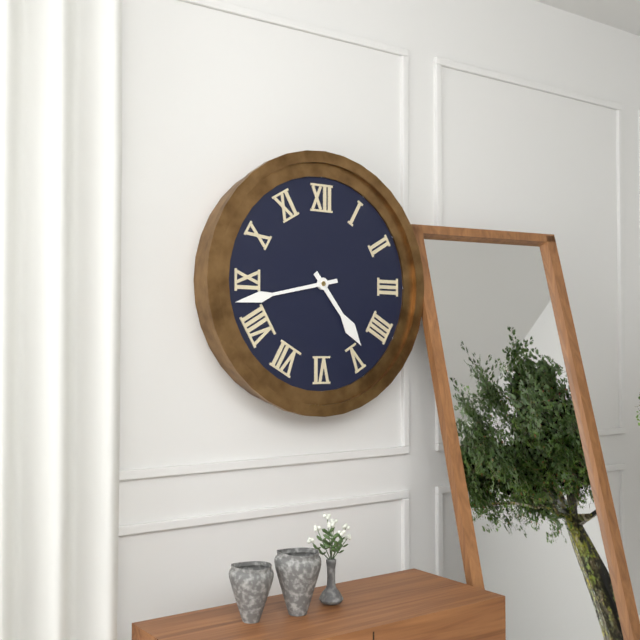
4:43
